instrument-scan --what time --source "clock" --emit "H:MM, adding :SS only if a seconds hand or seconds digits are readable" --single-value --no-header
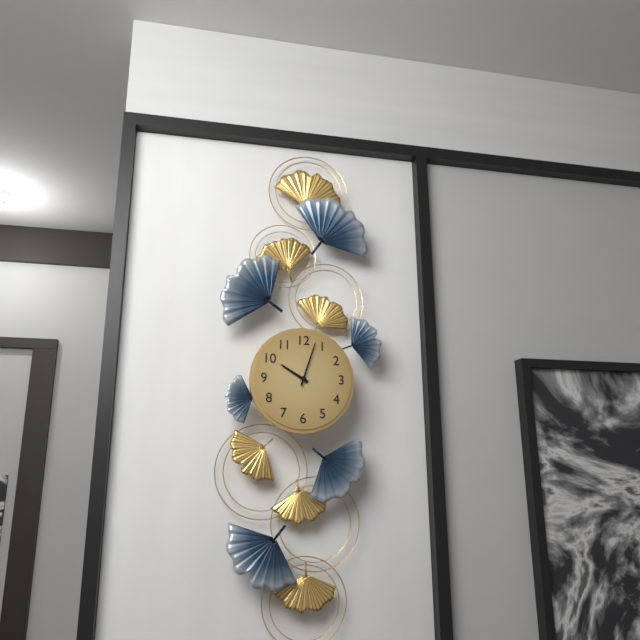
10:03
